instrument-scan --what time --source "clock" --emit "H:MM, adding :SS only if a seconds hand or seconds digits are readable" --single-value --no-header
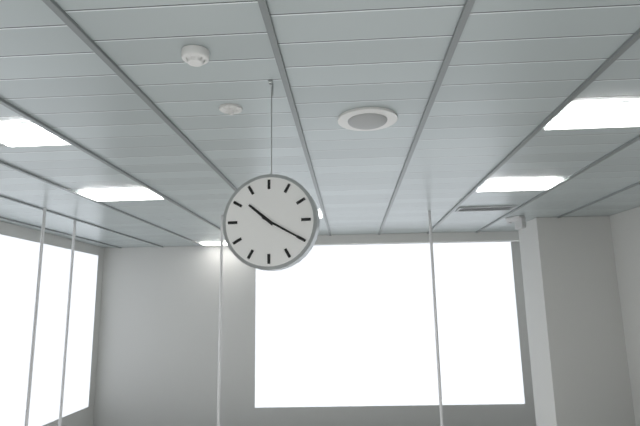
10:20
